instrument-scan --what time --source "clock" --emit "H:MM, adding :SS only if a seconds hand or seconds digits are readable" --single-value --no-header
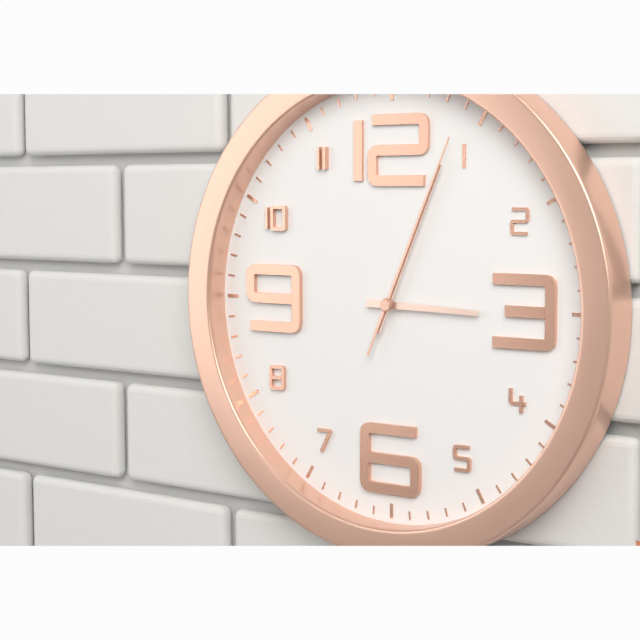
3:04:04
